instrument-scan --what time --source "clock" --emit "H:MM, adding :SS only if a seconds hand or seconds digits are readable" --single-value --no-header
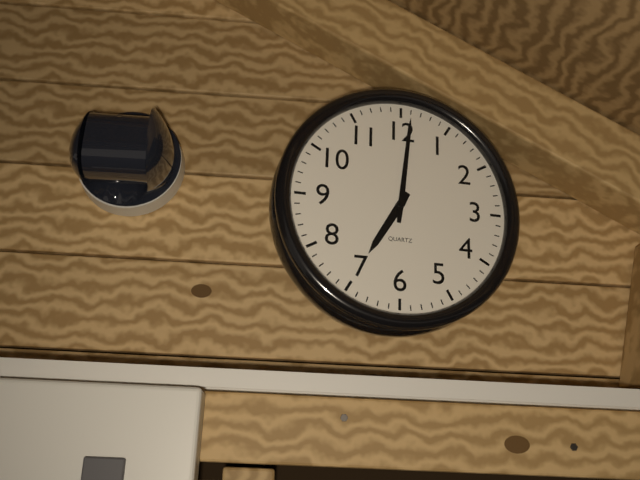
7:01
